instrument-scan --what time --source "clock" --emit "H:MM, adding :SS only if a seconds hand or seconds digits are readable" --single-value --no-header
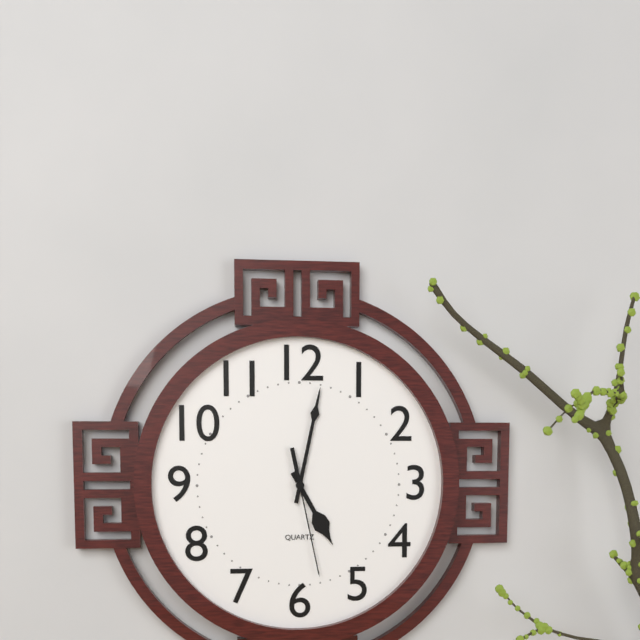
5:02:28
